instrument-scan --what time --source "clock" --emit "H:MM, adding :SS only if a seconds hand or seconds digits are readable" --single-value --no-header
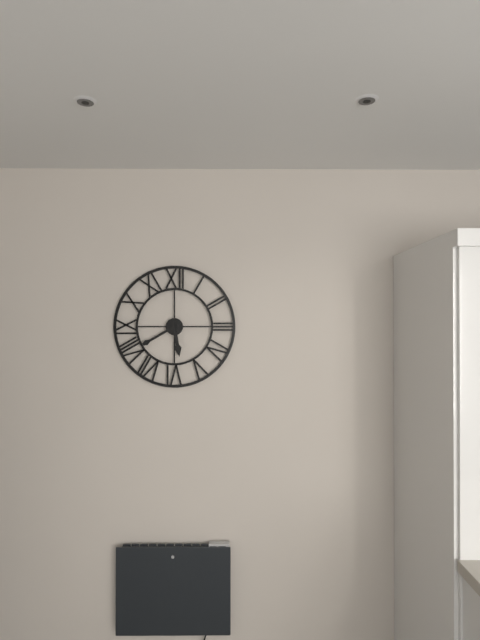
5:40
